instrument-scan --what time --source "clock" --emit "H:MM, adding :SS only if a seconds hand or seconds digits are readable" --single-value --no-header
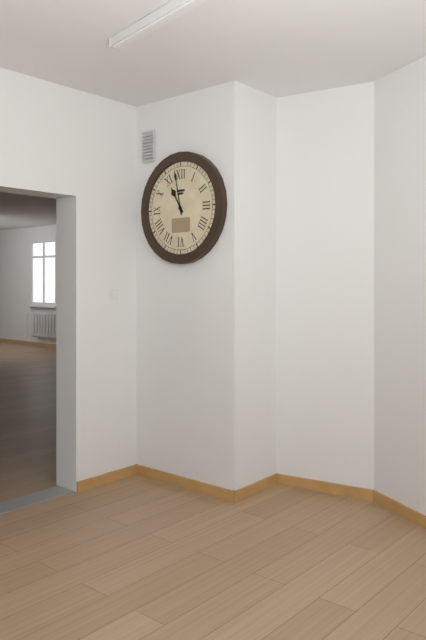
10:58
